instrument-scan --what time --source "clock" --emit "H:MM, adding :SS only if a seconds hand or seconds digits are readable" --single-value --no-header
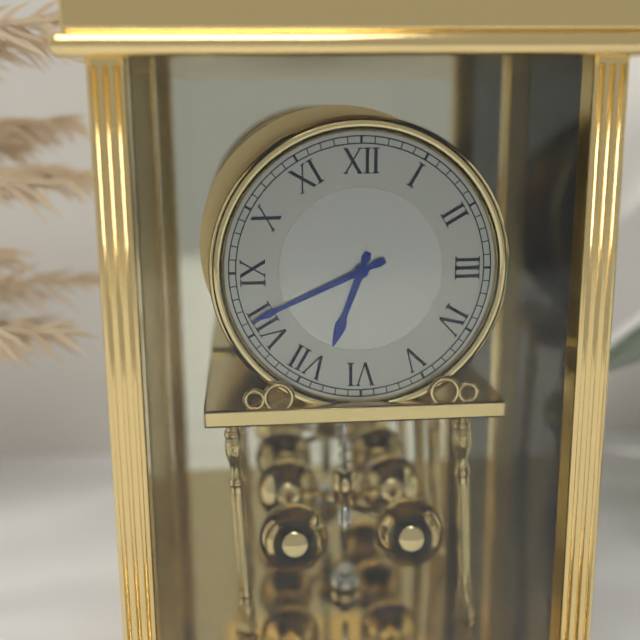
6:41
